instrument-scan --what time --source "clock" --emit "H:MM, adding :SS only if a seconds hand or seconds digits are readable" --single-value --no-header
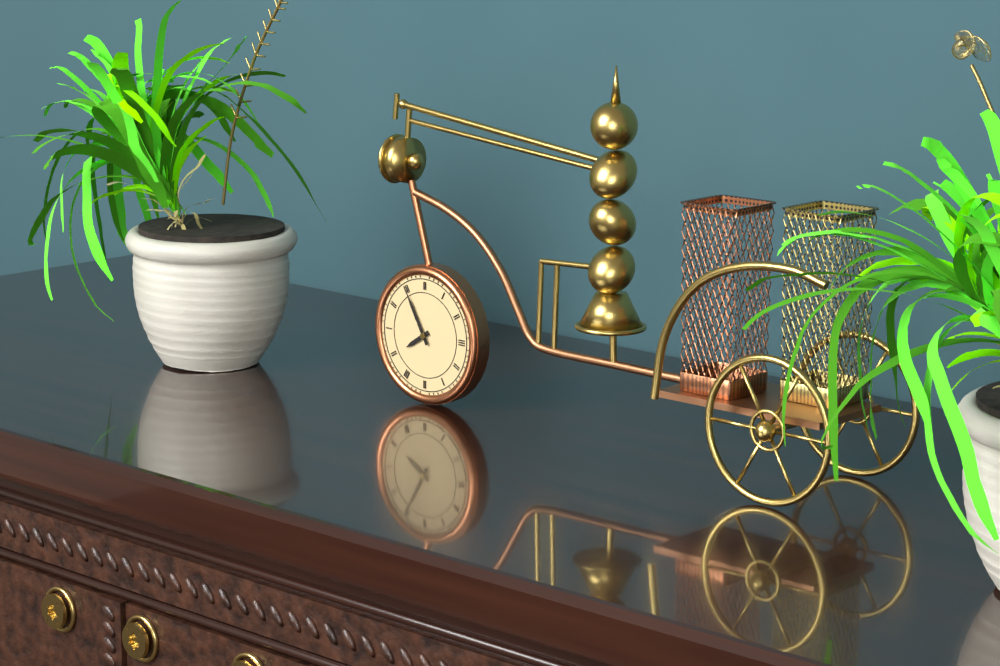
7:55
